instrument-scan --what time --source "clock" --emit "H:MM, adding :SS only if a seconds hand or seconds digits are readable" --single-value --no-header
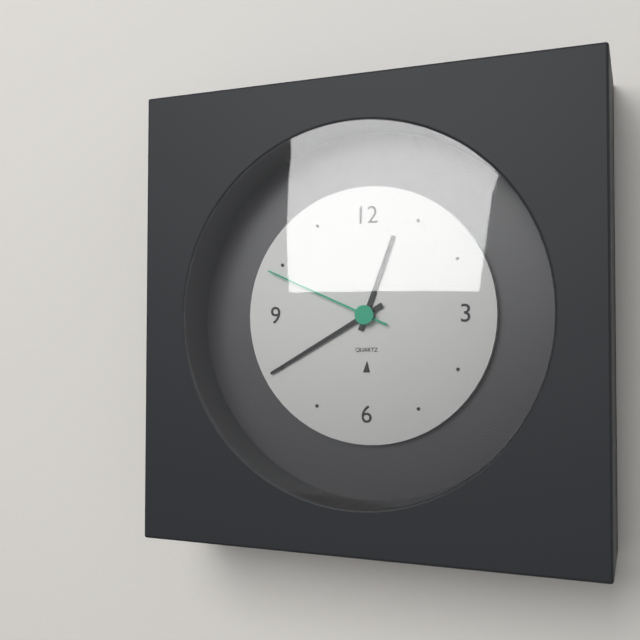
12:40:49
